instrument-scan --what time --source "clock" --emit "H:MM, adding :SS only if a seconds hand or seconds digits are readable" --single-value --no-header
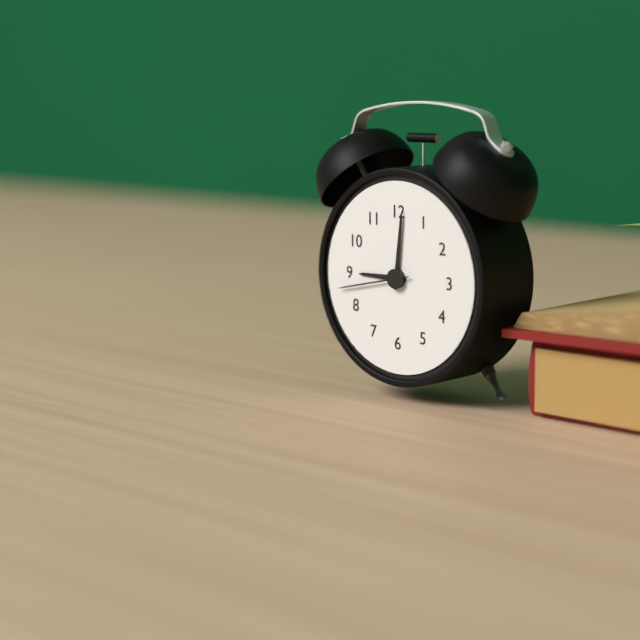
9:01:43
